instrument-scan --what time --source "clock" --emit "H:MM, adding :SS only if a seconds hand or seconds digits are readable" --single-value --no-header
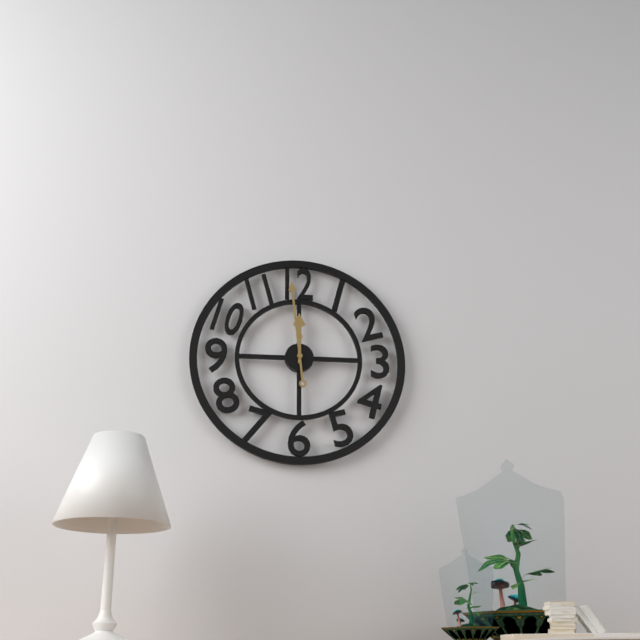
11:59
